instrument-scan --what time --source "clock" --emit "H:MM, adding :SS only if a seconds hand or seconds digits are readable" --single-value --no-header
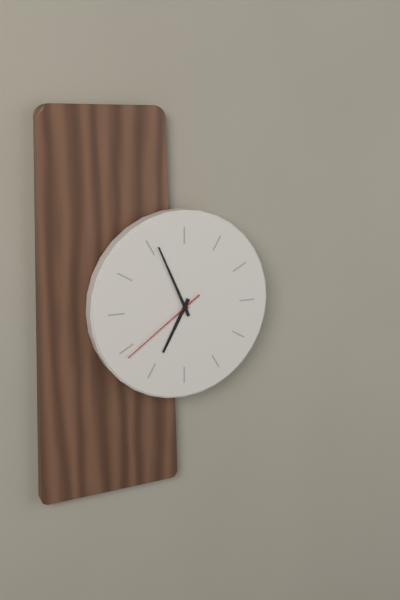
6:56:39
